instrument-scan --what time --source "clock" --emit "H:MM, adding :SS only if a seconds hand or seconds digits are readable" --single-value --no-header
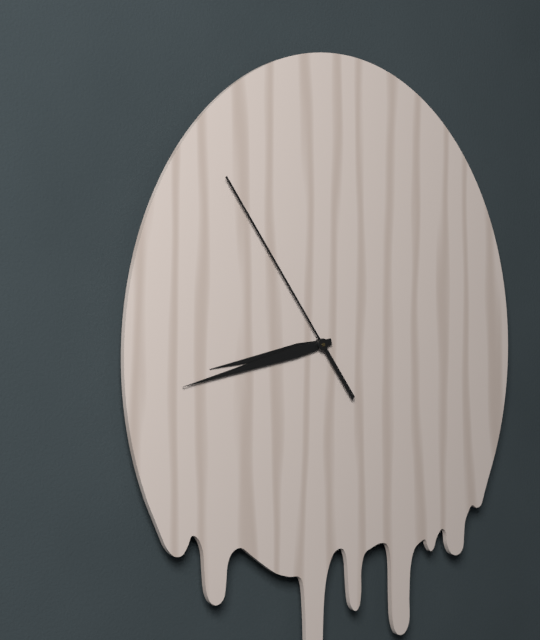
8:43:54
